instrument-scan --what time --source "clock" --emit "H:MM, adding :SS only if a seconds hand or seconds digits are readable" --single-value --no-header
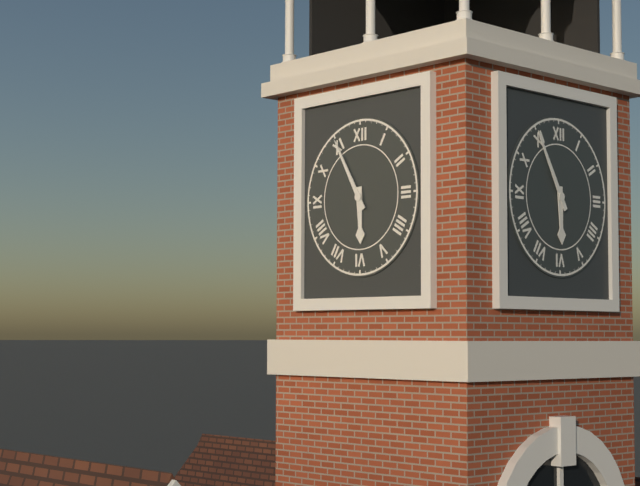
5:55
